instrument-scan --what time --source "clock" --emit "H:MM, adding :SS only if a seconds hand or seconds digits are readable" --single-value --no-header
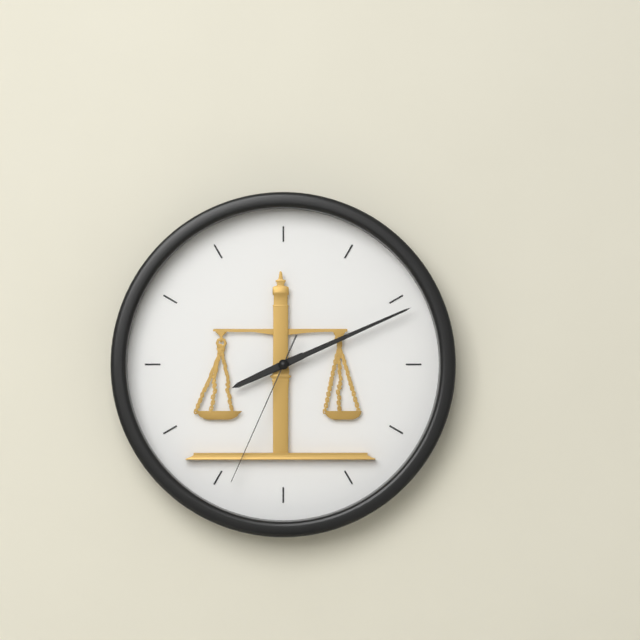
8:11:34
